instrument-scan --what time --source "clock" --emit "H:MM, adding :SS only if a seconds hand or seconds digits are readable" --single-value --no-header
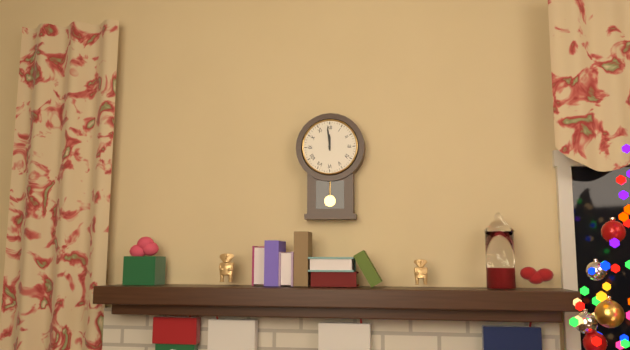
11:59
